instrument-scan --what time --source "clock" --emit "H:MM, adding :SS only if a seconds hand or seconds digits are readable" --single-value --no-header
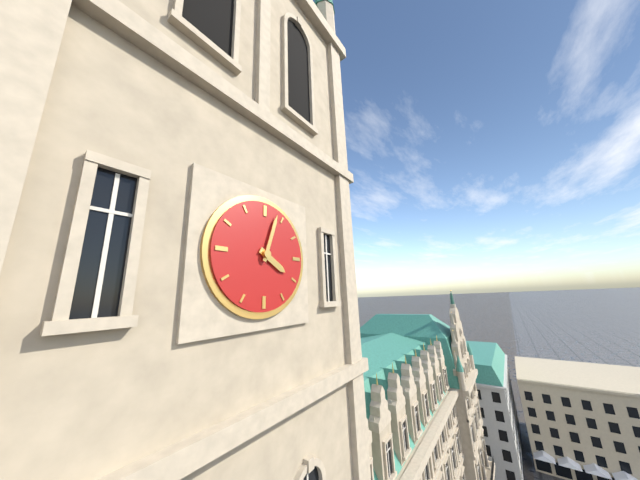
4:03
